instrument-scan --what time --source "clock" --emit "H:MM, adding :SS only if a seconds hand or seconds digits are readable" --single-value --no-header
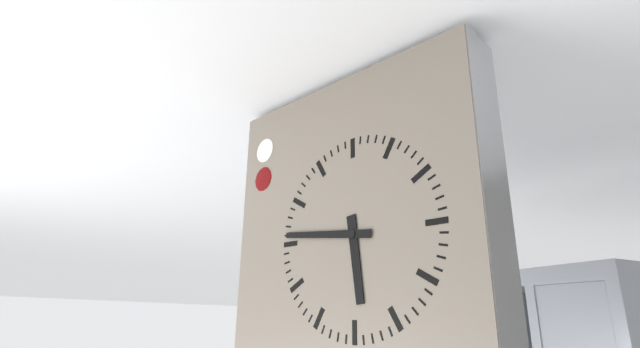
5:46
